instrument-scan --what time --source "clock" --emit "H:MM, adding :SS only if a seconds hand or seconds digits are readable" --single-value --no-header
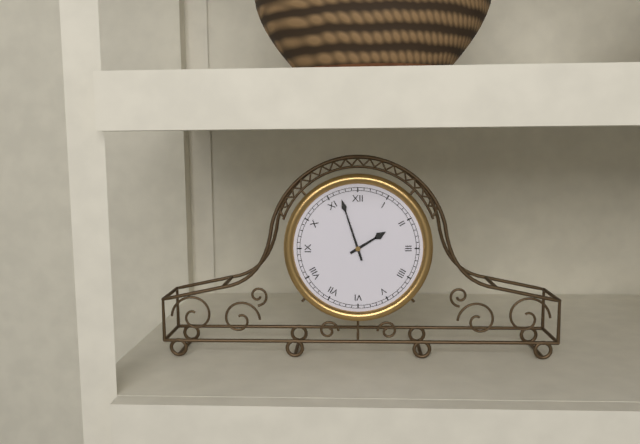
1:57
